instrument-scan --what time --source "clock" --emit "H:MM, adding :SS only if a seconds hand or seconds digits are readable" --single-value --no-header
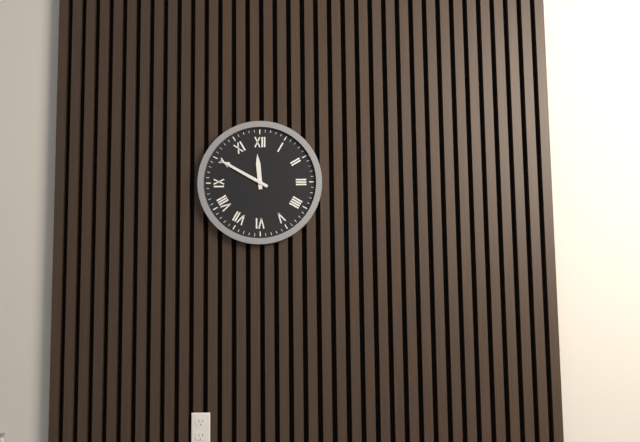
11:50
